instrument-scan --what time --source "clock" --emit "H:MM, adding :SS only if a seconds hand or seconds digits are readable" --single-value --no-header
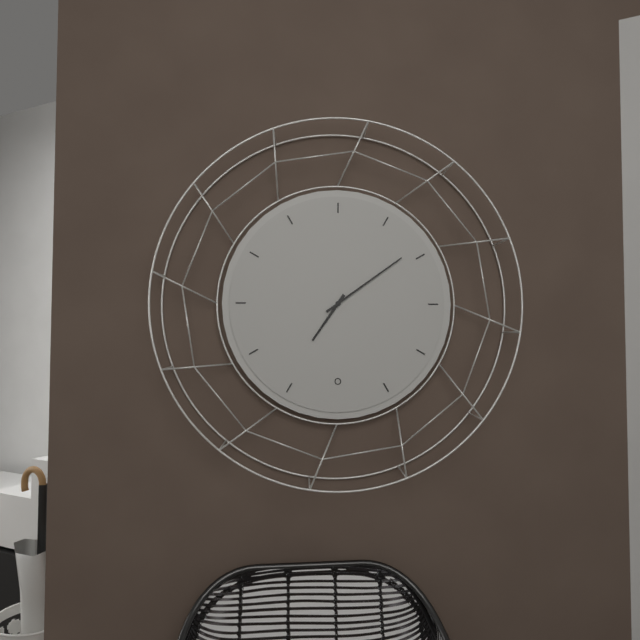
7:09
